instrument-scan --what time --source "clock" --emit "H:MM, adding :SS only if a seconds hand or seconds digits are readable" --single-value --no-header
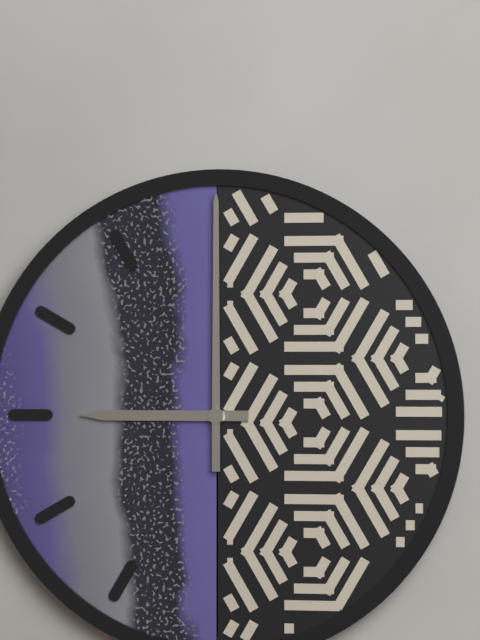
9:00
